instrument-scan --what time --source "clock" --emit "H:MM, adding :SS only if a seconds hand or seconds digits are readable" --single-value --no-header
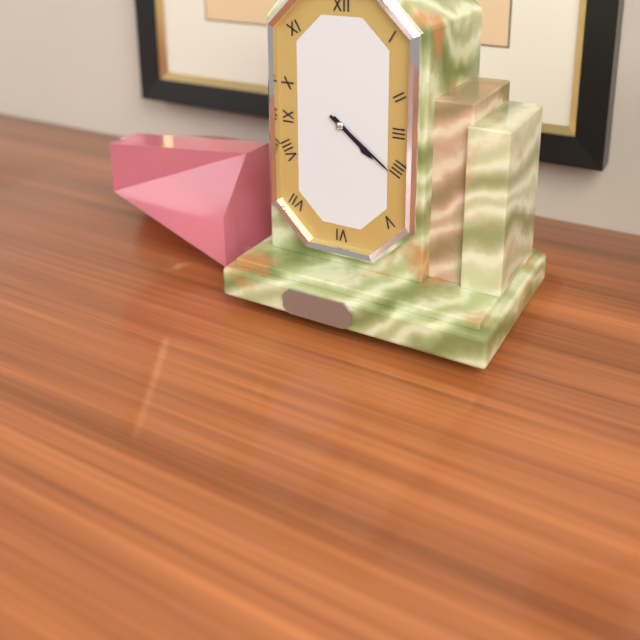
4:21
